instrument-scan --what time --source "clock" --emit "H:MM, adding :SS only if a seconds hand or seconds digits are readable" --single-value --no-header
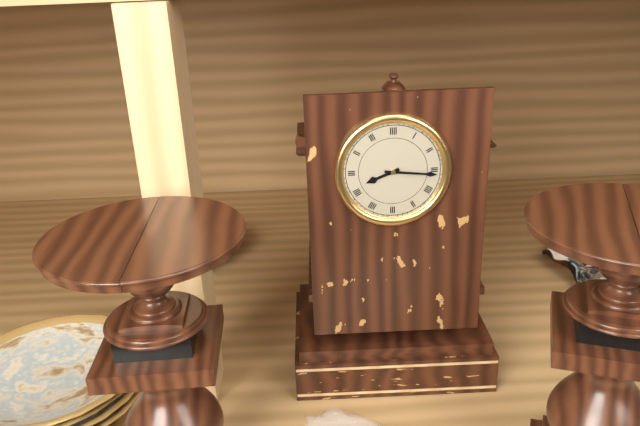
8:16
